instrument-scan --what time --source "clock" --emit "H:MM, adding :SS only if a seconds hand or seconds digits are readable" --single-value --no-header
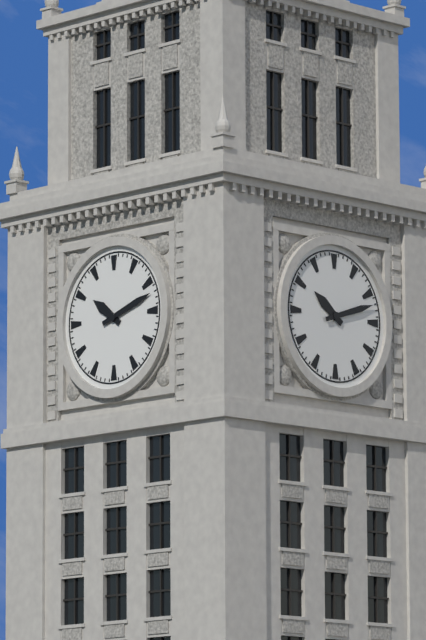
10:12
